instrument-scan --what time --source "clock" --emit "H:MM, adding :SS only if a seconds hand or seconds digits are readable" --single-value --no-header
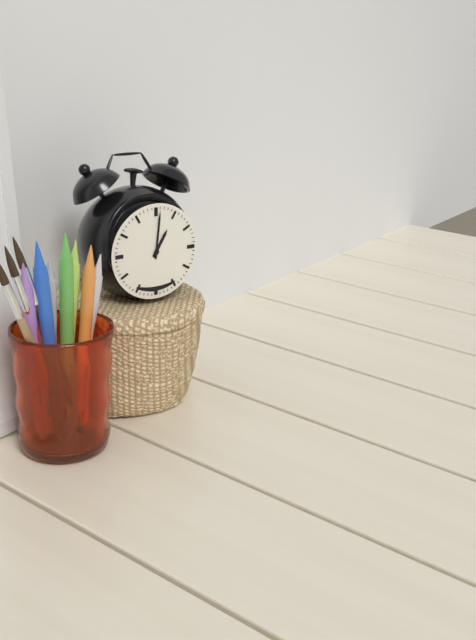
1:01
